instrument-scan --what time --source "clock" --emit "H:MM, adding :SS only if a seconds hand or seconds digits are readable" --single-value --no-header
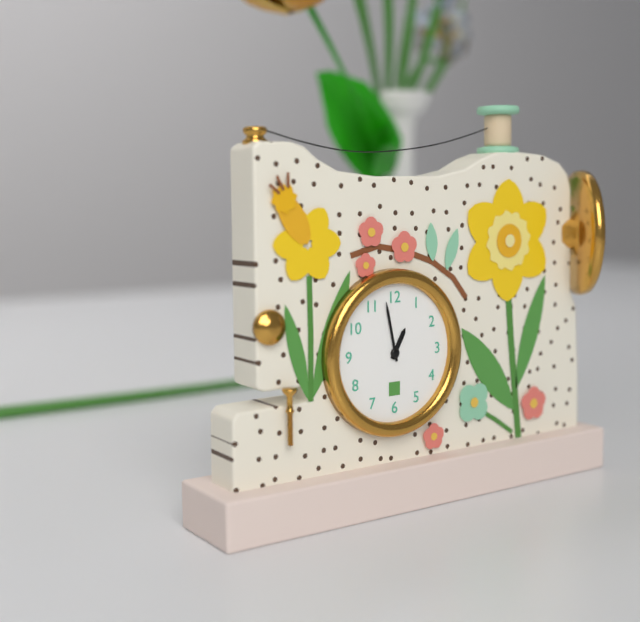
12:58
